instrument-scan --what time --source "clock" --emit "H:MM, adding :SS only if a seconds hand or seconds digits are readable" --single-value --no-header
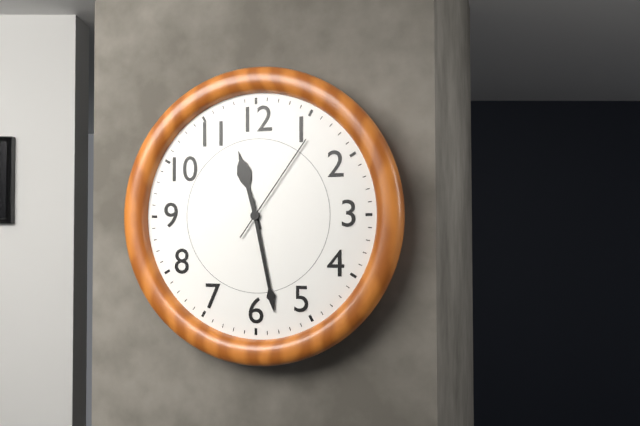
11:28:06
